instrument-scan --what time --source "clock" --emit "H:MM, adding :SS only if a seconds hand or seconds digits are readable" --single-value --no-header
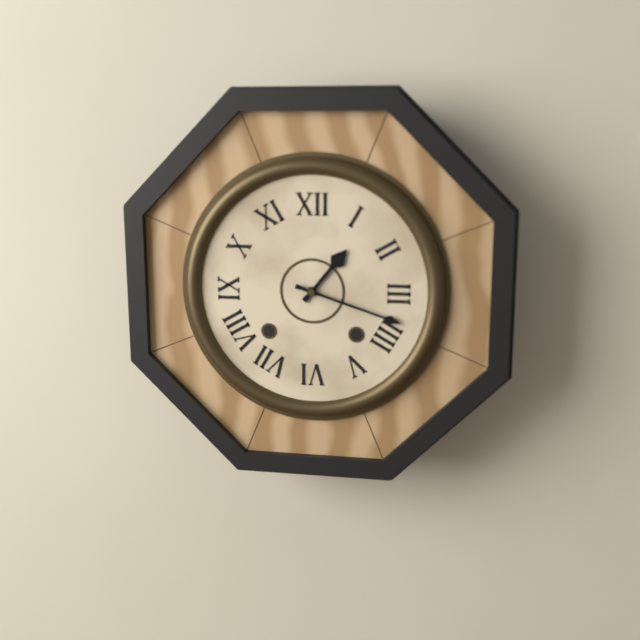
1:18
